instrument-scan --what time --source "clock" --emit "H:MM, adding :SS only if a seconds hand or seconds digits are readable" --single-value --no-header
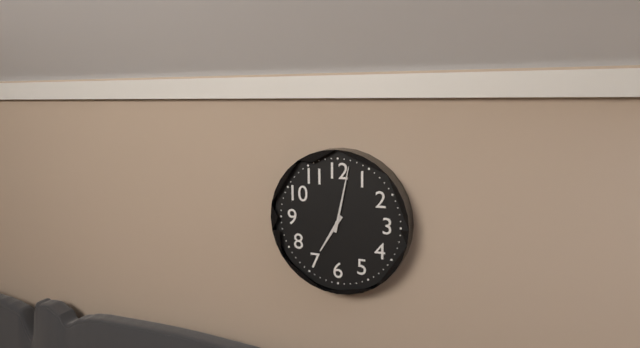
7:02
